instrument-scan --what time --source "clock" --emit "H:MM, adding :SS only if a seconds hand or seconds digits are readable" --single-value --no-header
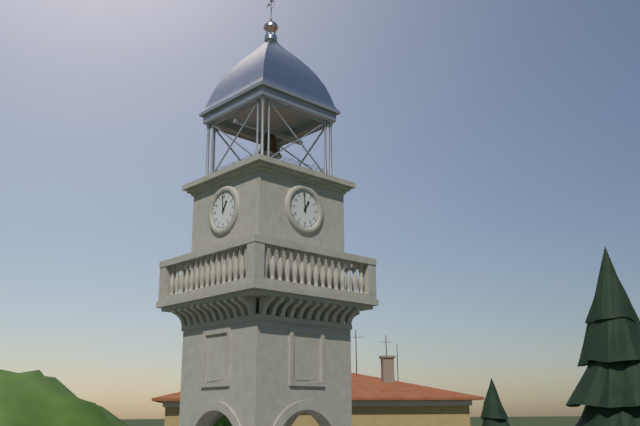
12:59
